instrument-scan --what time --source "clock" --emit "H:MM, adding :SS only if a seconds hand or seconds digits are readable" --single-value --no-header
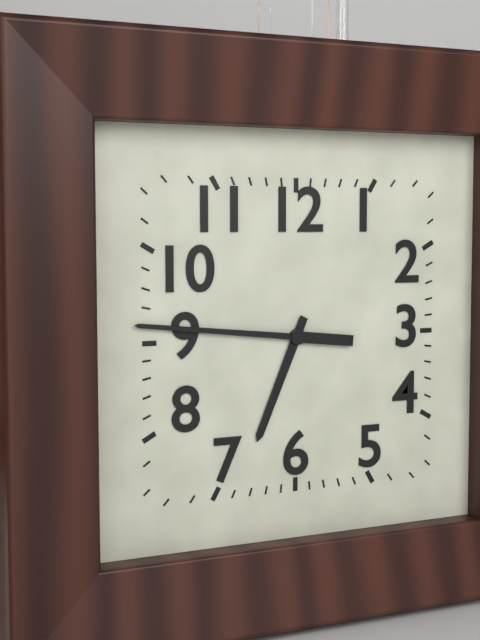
6:46
